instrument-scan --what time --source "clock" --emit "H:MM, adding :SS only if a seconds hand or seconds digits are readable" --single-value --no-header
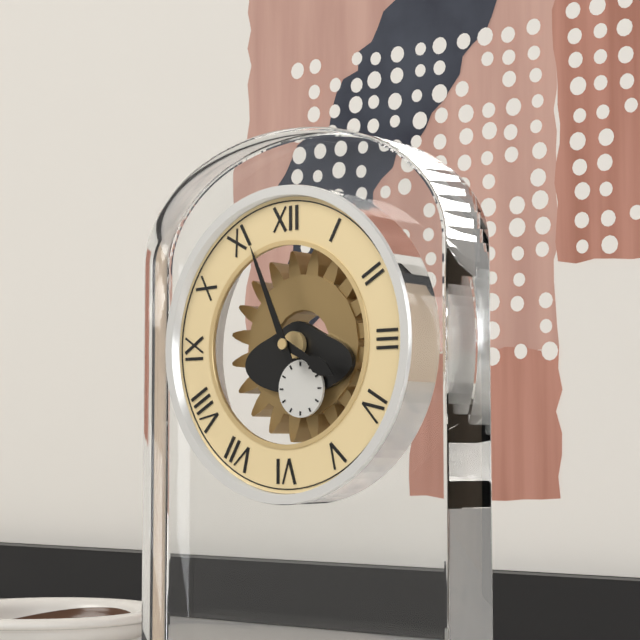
3:56
